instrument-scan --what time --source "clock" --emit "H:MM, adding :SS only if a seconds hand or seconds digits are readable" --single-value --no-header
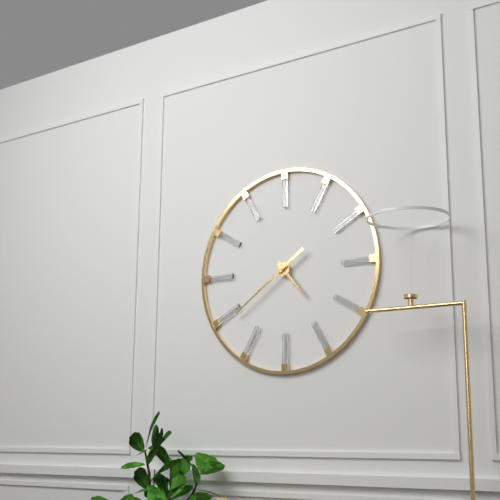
4:39
